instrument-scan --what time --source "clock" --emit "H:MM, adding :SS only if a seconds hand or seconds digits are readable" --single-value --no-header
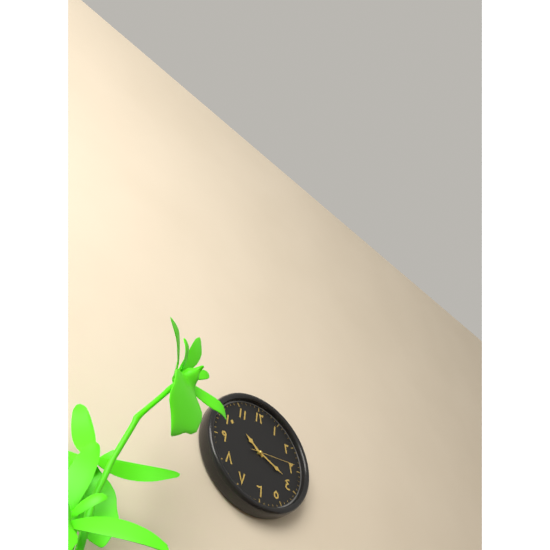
10:19:14
